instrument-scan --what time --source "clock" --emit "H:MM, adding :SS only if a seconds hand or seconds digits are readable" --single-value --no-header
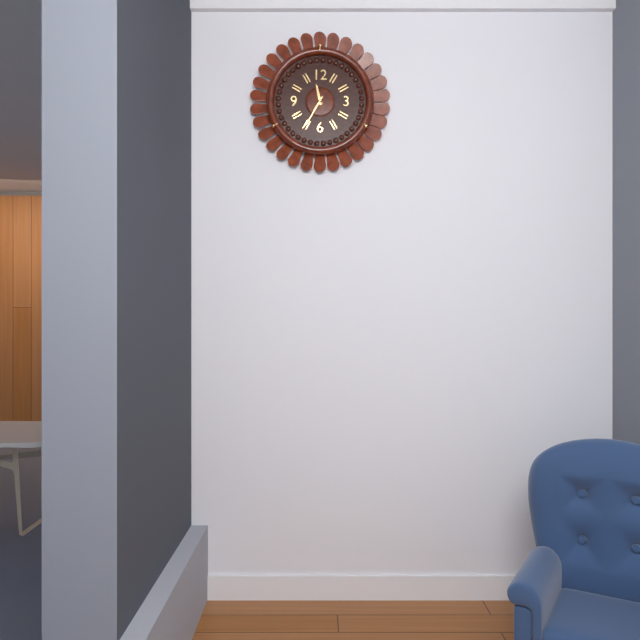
11:35
